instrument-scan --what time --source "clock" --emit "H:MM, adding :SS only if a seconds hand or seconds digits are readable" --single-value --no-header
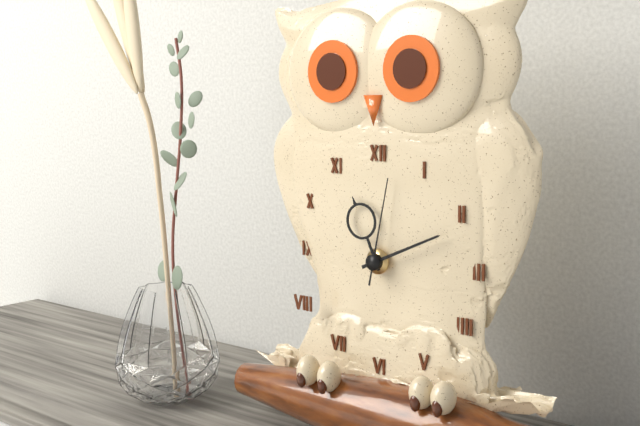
11:11:02
